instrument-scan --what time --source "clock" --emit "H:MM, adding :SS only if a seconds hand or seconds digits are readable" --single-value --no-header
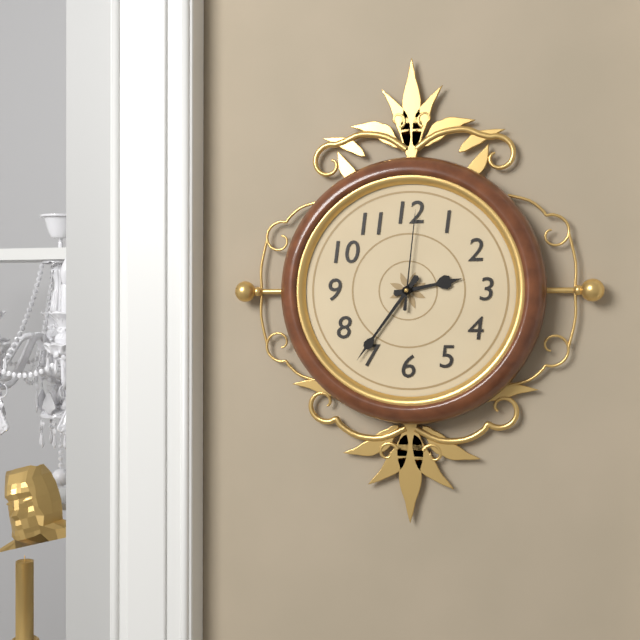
2:36:01
